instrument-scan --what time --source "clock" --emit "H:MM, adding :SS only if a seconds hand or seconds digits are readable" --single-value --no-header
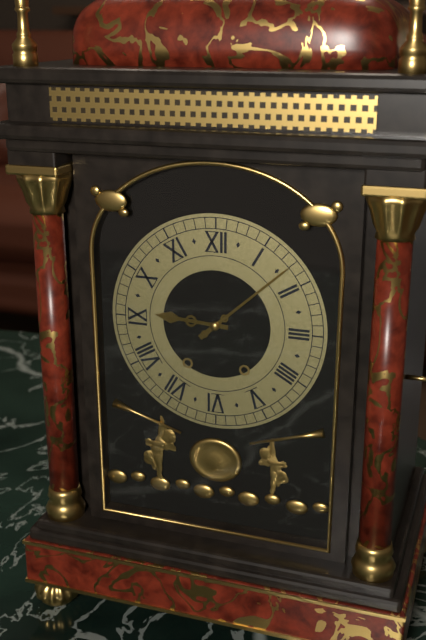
9:08
